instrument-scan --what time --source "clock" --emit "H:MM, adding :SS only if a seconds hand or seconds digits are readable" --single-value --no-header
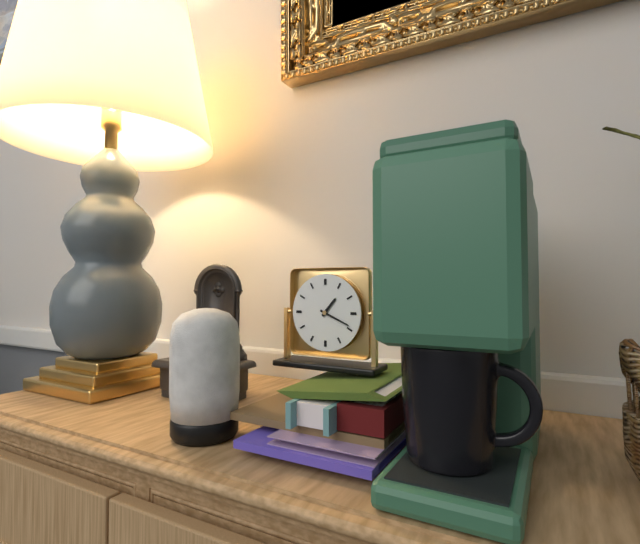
1:19
